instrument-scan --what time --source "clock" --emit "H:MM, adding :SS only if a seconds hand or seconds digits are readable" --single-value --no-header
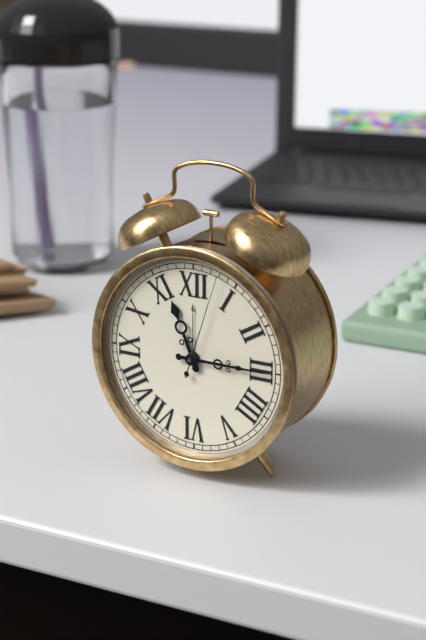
11:15:03
